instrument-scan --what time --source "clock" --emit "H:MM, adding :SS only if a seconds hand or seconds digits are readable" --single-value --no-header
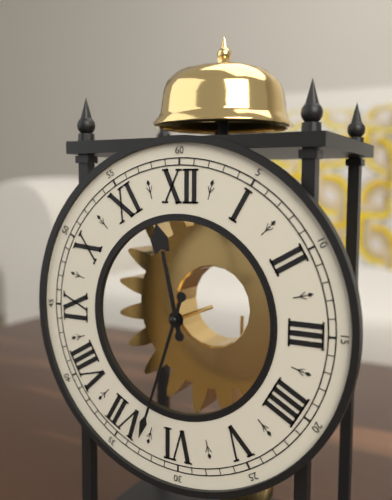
11:33
